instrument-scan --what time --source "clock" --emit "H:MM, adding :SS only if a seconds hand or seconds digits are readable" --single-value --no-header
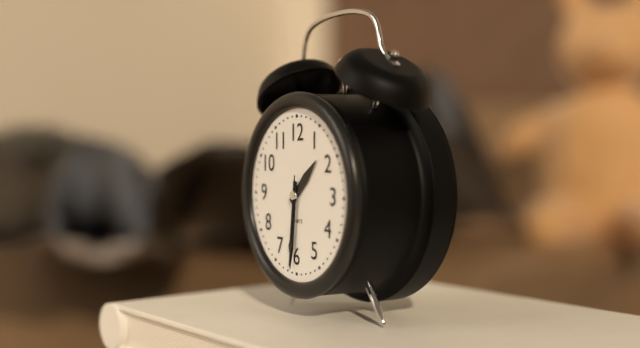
1:31:31
